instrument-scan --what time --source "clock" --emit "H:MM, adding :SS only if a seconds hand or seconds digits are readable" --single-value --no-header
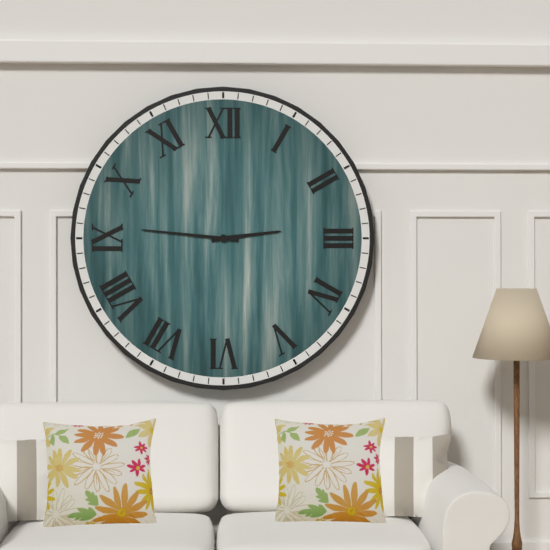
2:46
